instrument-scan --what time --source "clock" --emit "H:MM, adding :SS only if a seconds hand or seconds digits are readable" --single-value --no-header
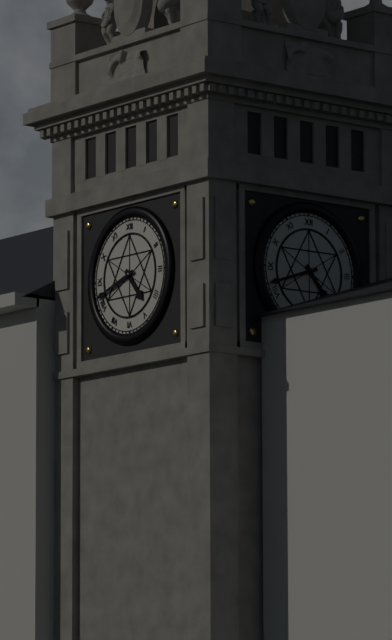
4:42
